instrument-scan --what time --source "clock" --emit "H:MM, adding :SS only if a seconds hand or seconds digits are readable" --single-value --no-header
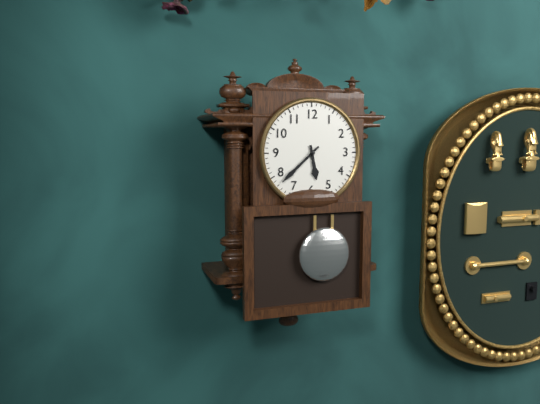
5:38
